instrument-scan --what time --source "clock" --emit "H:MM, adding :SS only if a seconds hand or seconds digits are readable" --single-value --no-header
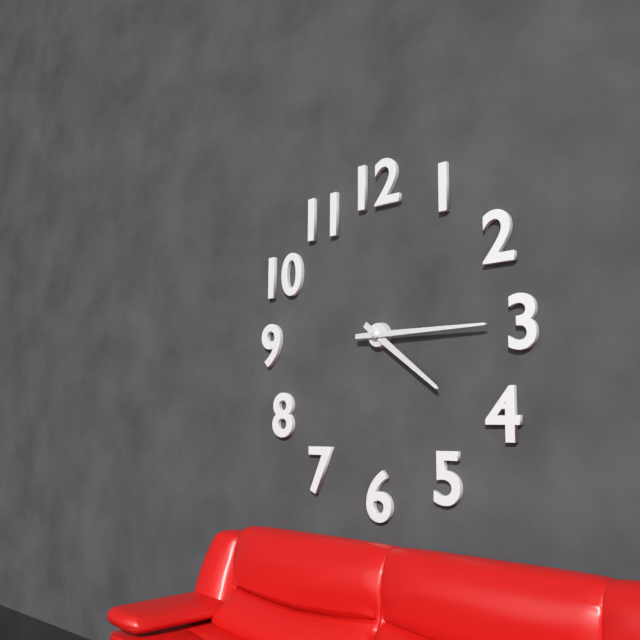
4:15
